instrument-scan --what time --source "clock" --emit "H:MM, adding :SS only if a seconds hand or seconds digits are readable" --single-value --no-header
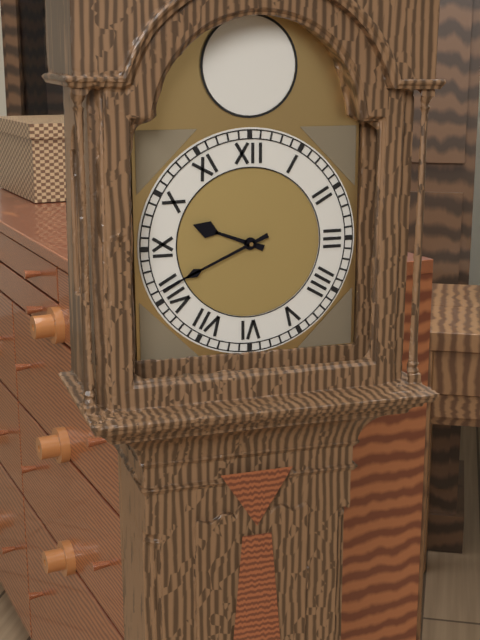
9:41
